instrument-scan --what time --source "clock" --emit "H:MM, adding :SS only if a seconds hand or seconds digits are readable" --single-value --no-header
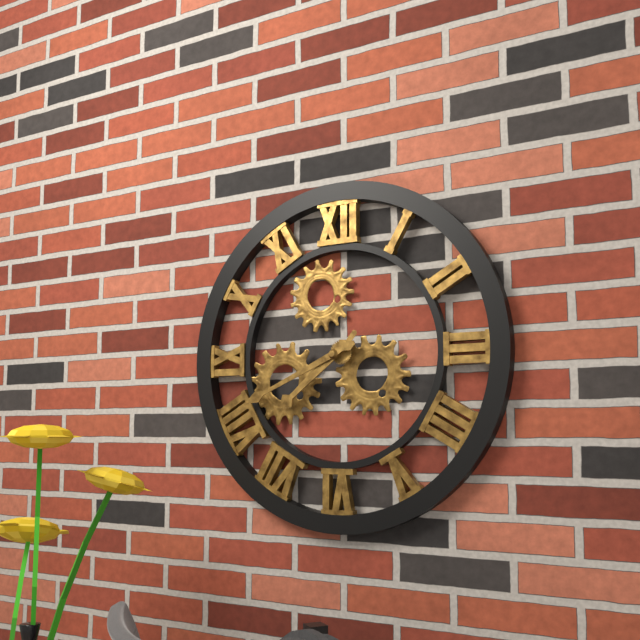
7:41
